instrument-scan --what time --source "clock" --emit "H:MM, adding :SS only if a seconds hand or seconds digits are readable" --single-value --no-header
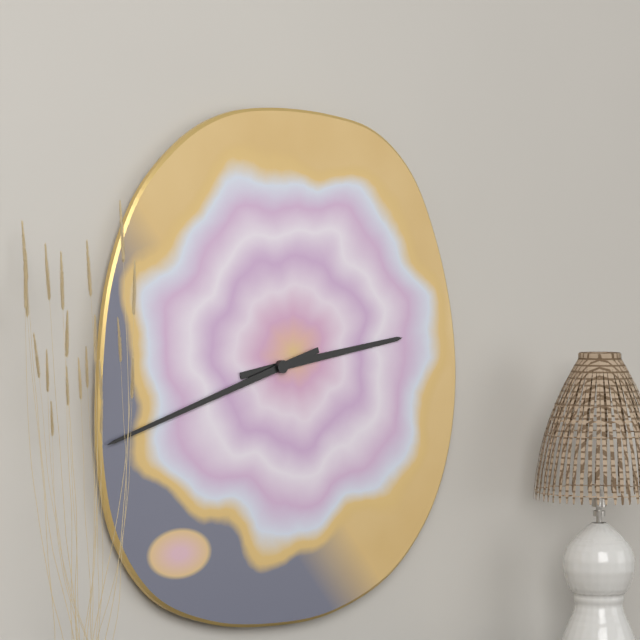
2:42
